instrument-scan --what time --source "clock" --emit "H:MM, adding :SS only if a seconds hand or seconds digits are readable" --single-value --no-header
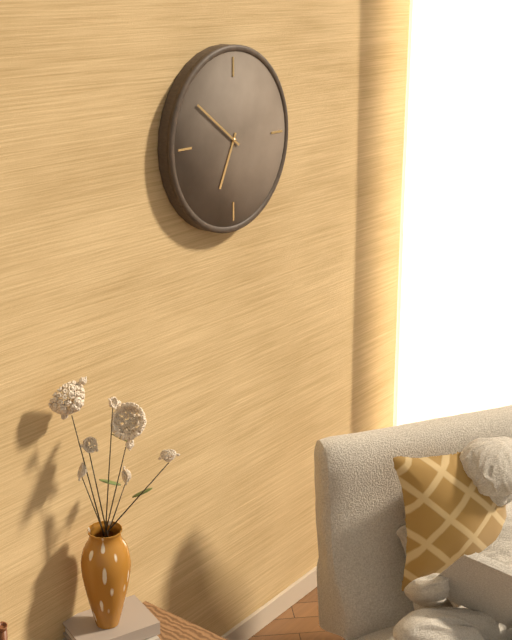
6:51
